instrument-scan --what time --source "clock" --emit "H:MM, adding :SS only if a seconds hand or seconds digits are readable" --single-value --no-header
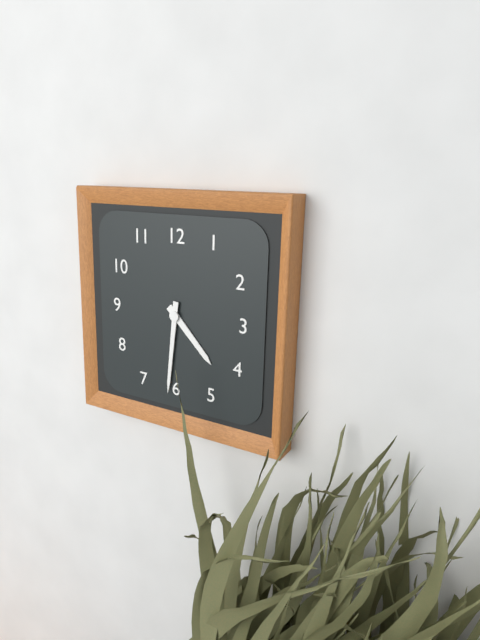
4:31
